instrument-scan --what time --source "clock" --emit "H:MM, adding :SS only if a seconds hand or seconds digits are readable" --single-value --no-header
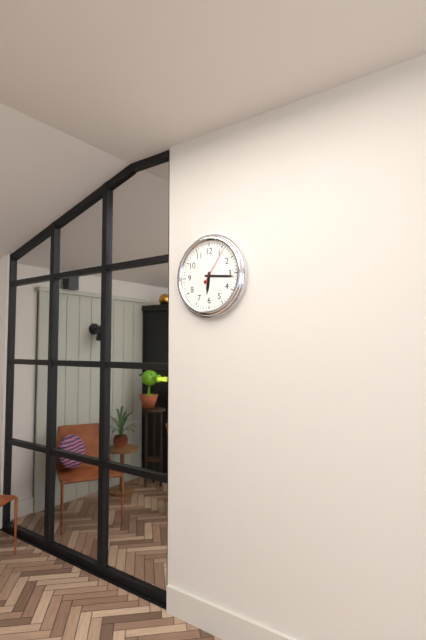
6:16
